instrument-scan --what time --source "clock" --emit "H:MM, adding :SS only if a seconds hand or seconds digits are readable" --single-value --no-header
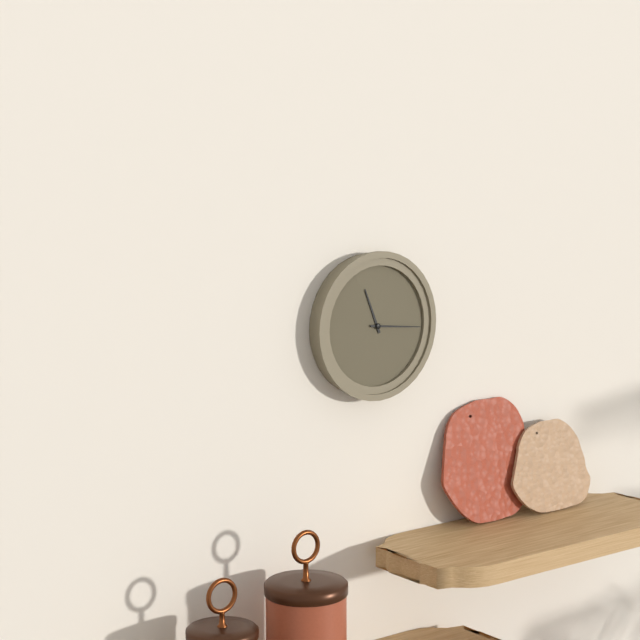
11:16
